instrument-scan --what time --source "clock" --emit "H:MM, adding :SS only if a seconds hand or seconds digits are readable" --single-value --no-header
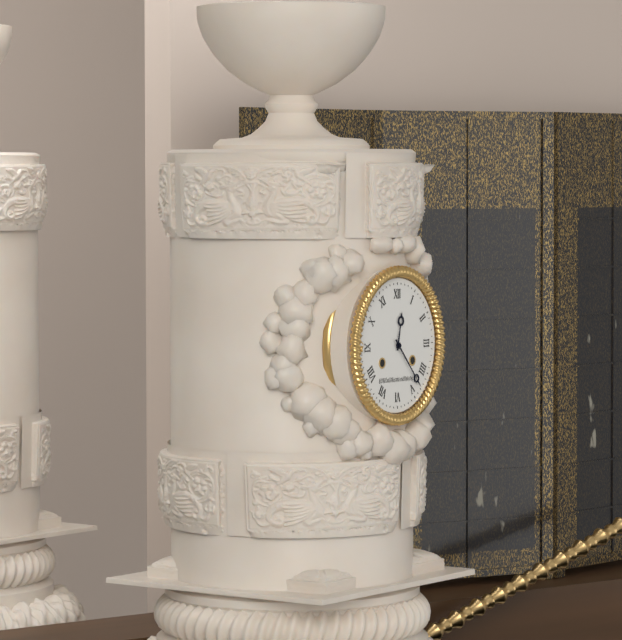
12:23
